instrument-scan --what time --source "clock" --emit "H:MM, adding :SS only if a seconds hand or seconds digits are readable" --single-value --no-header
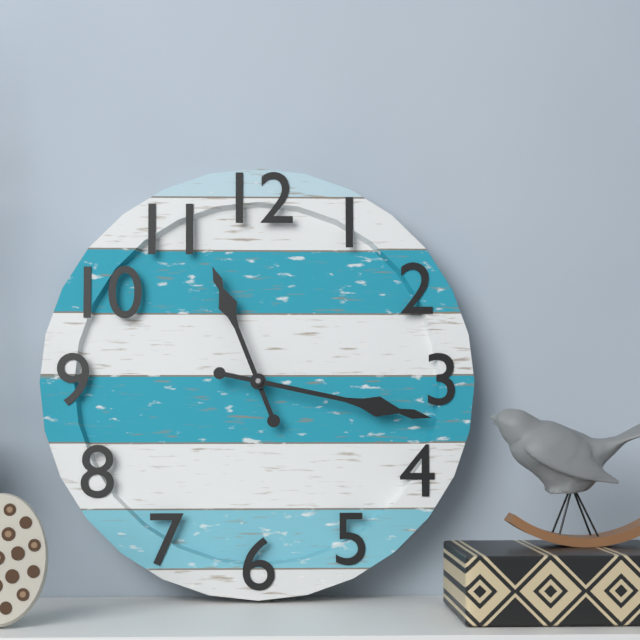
11:17
